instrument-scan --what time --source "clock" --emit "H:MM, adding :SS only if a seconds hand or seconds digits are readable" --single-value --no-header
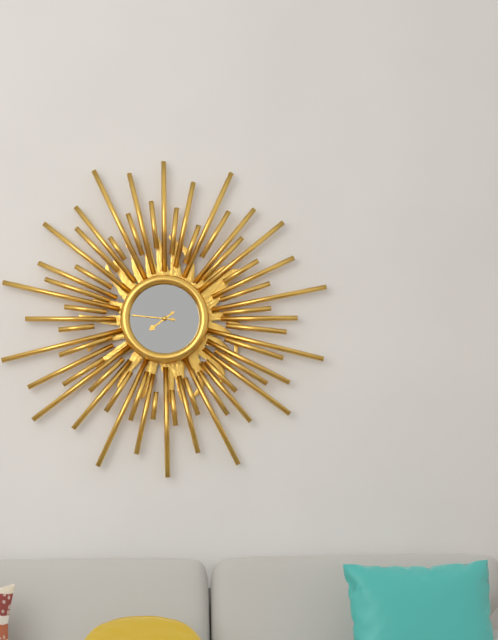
7:46
